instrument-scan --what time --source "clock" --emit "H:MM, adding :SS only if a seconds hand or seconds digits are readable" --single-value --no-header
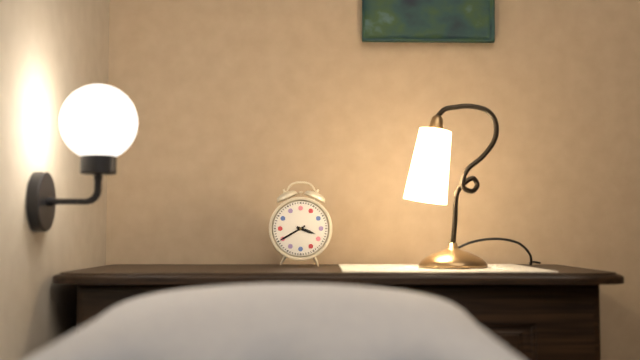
3:40
